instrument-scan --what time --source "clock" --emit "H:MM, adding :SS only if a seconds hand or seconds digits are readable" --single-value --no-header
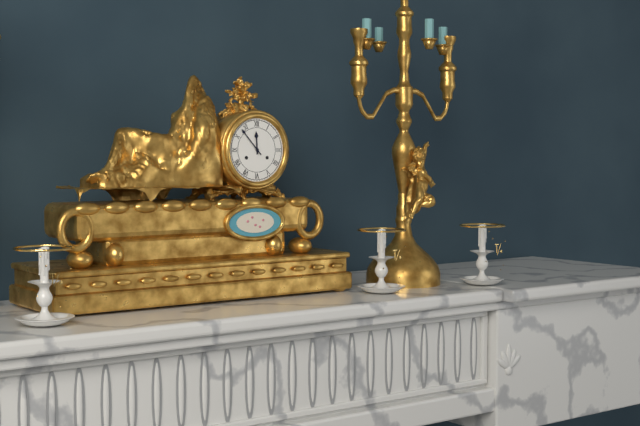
11:53
